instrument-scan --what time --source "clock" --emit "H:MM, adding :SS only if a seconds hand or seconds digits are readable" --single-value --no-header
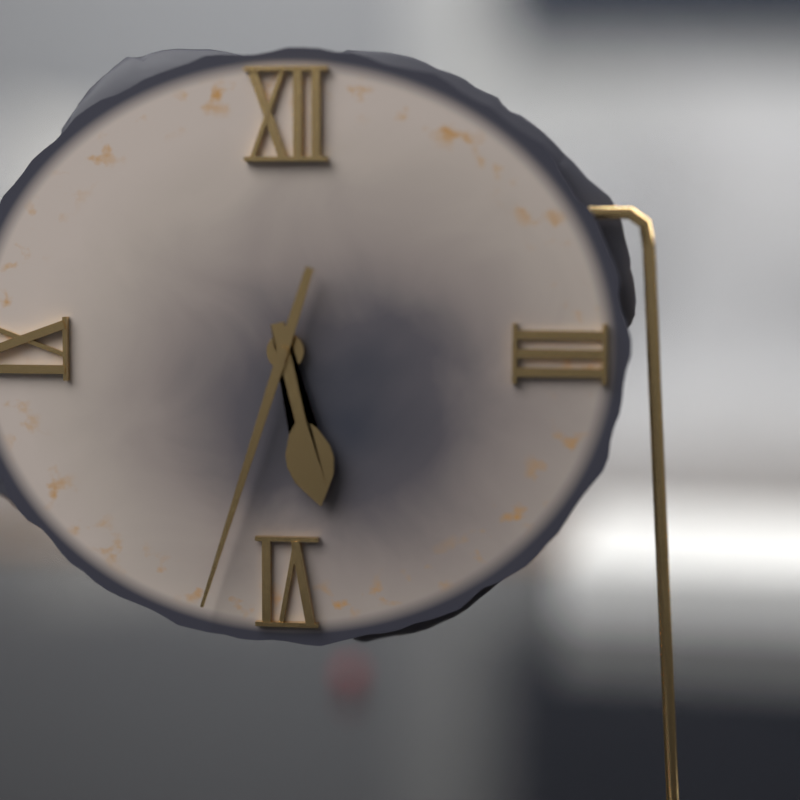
5:33
